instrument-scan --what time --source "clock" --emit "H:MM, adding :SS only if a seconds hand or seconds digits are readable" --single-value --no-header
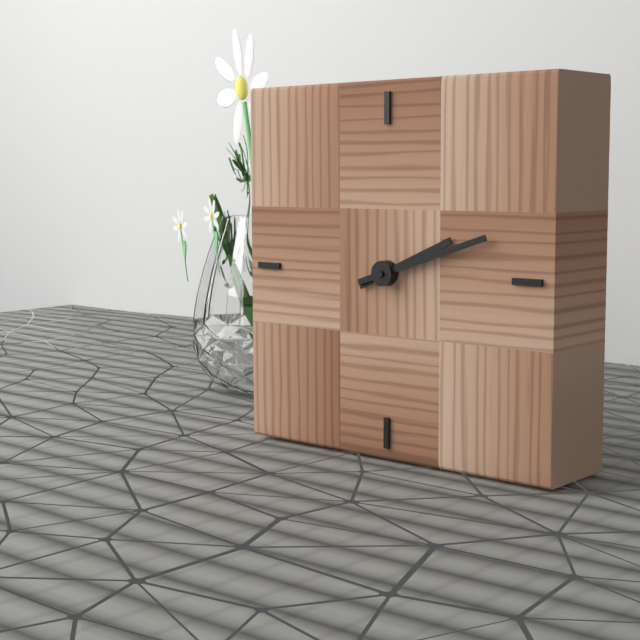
2:12
